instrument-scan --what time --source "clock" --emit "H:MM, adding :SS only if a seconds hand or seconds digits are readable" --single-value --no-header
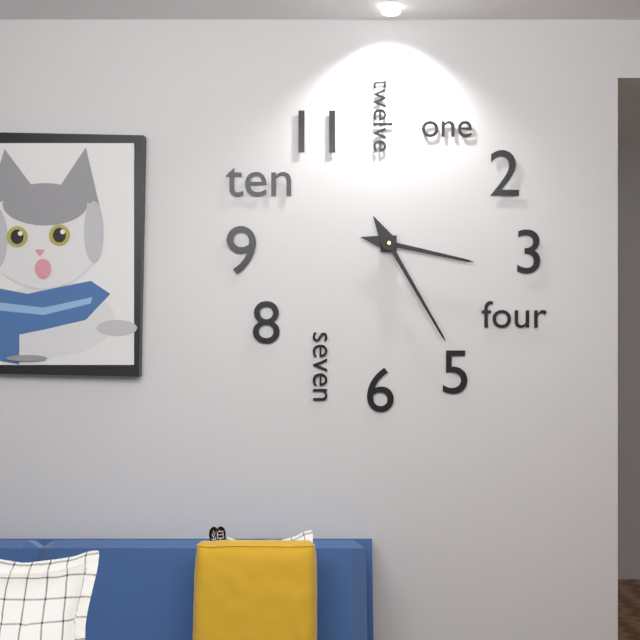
3:25
